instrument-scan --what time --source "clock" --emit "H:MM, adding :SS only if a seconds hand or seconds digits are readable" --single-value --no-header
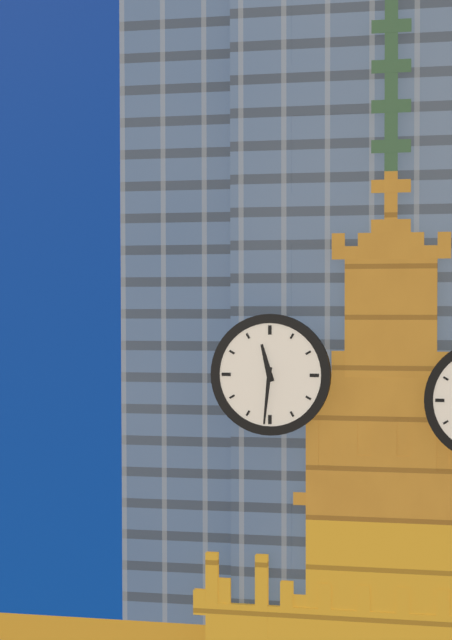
11:31
